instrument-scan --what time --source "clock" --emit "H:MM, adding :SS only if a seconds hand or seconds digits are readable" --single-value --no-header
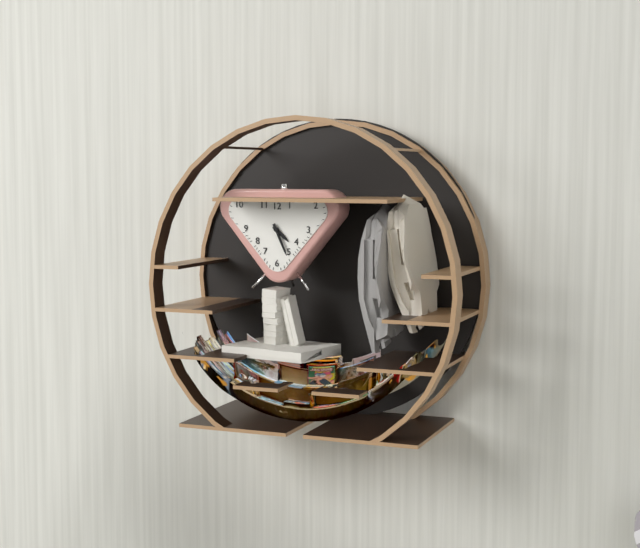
4:26
